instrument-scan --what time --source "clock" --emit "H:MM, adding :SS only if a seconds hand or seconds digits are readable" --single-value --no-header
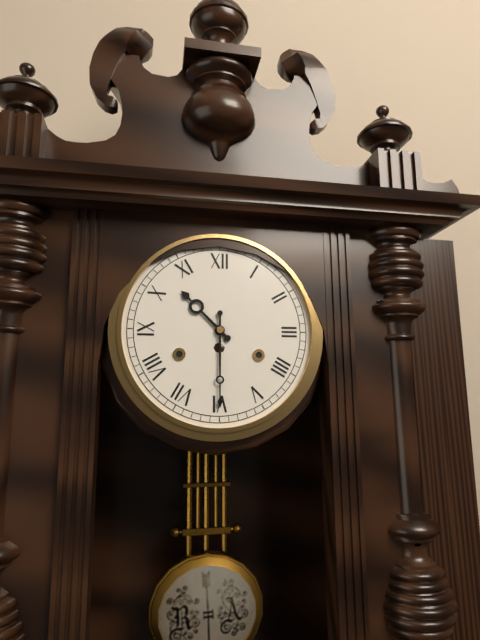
10:30
